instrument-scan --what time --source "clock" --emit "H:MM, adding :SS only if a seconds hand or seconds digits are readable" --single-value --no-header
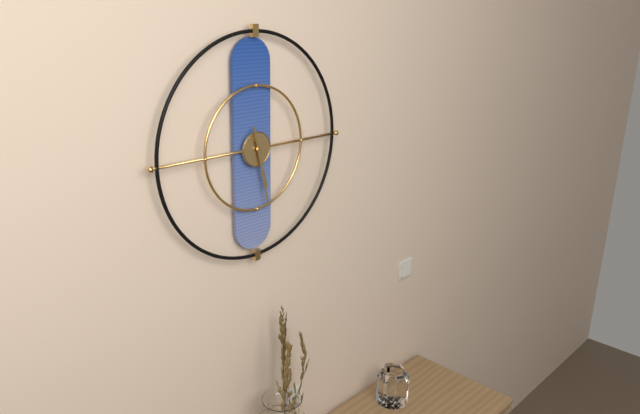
5:28
